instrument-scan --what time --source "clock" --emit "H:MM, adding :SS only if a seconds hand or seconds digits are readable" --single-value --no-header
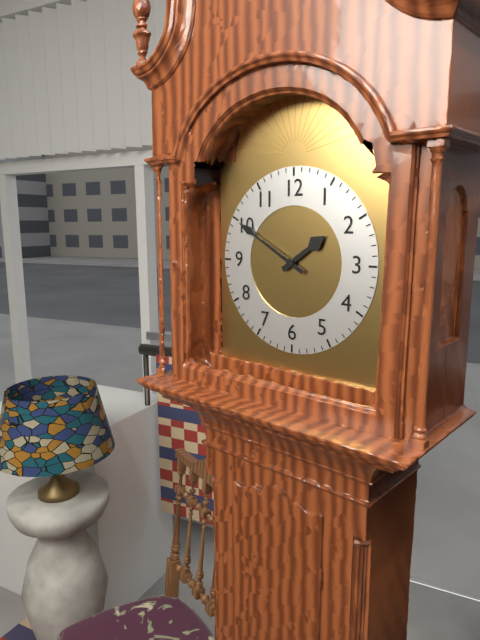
1:50
